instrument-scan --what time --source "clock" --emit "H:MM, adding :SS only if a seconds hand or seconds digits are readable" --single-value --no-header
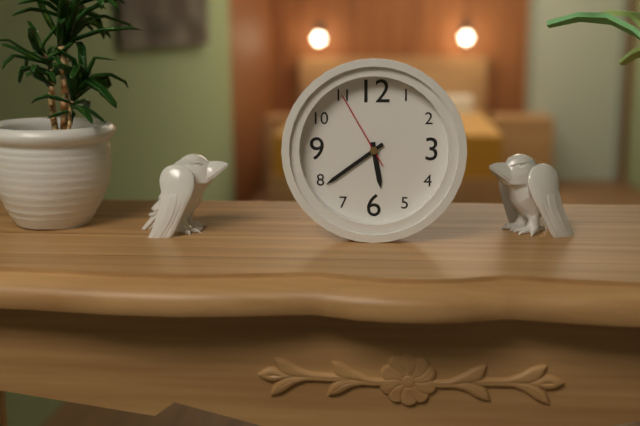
5:39:55
